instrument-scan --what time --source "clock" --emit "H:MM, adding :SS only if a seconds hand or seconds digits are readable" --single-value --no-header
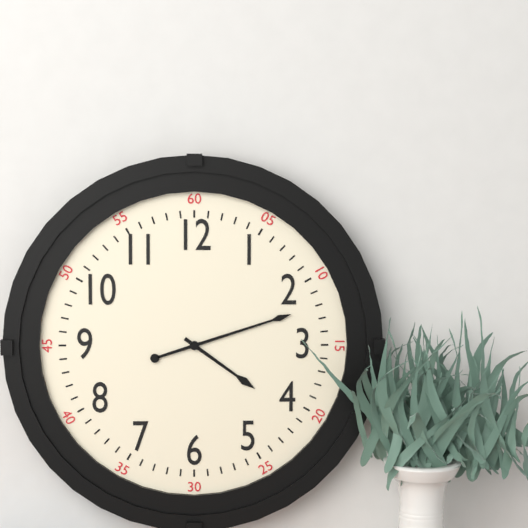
4:12
